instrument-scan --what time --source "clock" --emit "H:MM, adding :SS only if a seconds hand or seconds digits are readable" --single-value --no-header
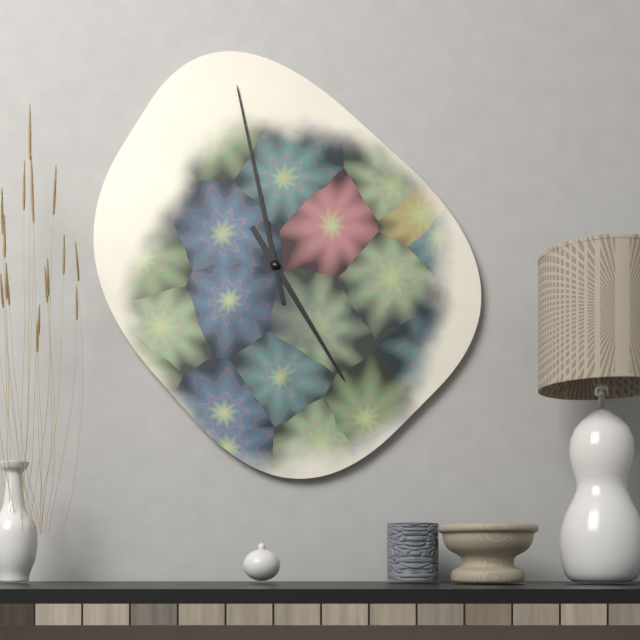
4:58
